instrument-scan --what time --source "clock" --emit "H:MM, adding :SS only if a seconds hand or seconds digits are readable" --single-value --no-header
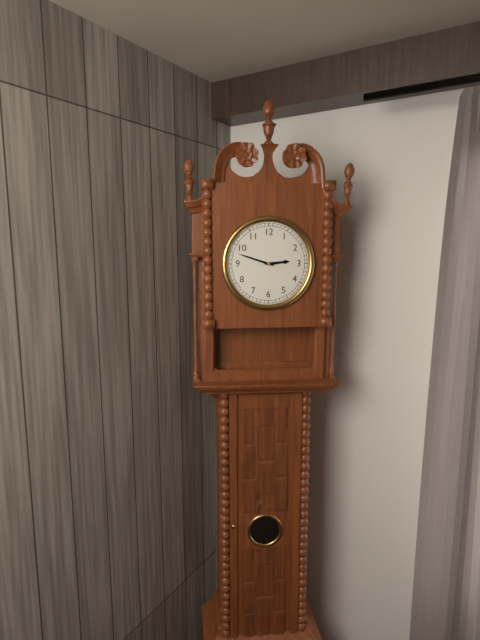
2:48
